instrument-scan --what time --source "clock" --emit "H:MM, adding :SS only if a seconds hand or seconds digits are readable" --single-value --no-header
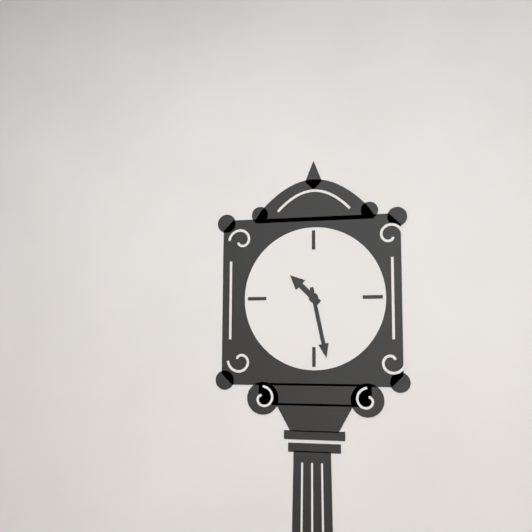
10:28
